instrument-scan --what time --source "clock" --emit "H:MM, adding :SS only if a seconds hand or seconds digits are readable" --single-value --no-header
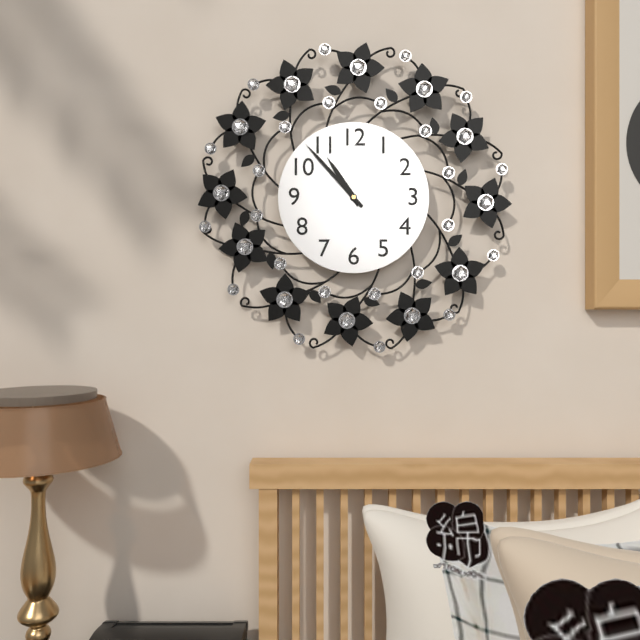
10:53
